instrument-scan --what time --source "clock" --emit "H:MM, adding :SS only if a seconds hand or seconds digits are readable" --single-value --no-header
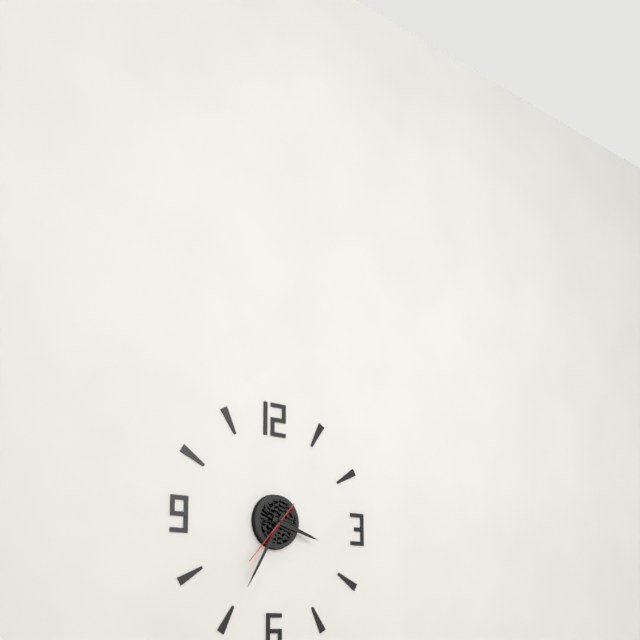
3:35:37
